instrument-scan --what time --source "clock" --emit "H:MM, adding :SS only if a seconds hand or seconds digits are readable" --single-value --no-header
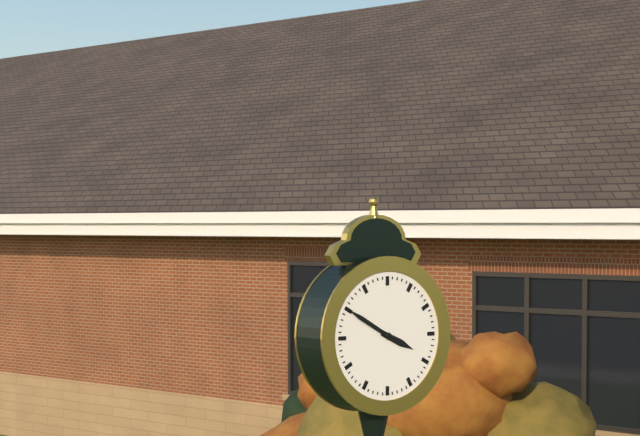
3:50
